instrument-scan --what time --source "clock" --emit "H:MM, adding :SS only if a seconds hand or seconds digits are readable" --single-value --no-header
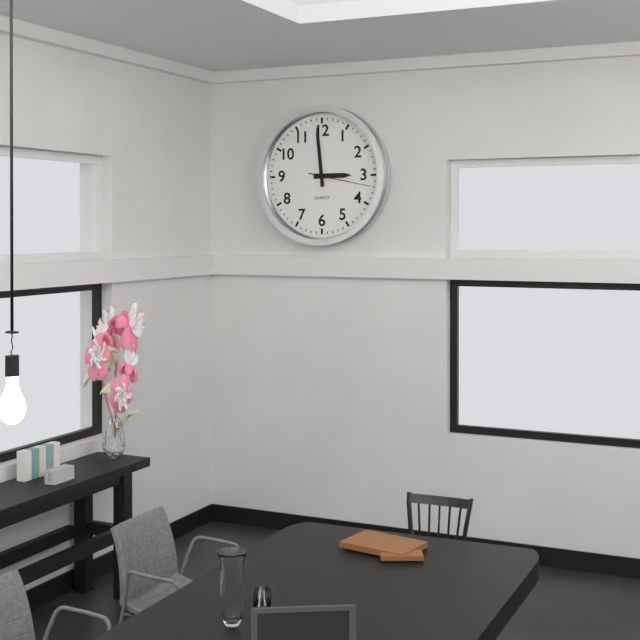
2:59:17
